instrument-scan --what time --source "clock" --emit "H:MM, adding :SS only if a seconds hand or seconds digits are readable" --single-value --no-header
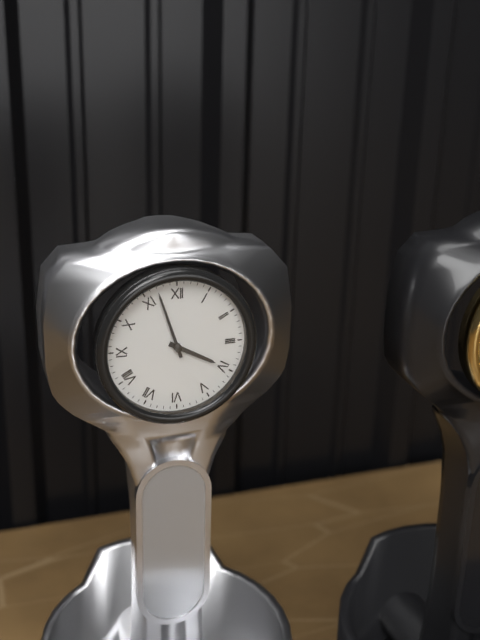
3:57
